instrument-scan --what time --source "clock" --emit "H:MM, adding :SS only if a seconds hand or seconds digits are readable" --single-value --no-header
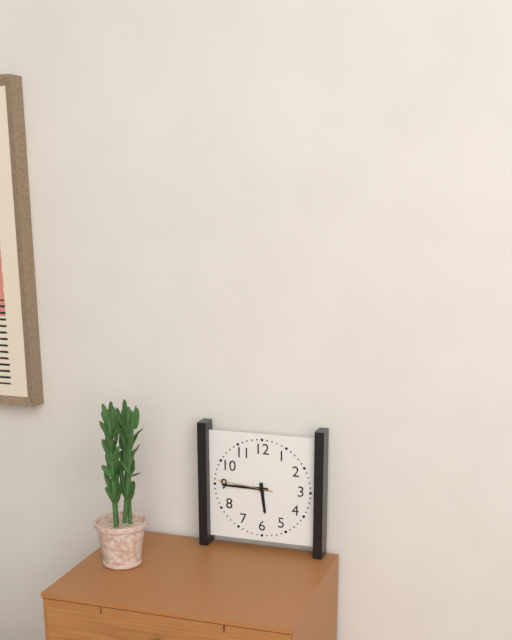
5:45:46
